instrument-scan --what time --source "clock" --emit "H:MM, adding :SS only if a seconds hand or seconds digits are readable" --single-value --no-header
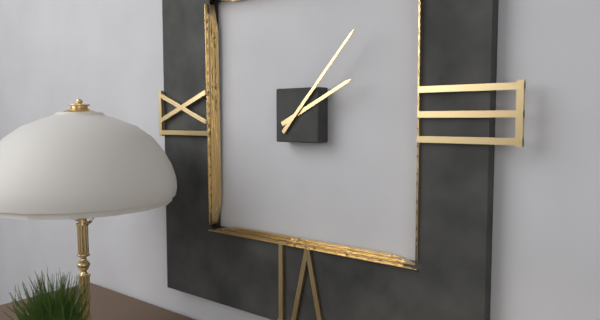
2:07
